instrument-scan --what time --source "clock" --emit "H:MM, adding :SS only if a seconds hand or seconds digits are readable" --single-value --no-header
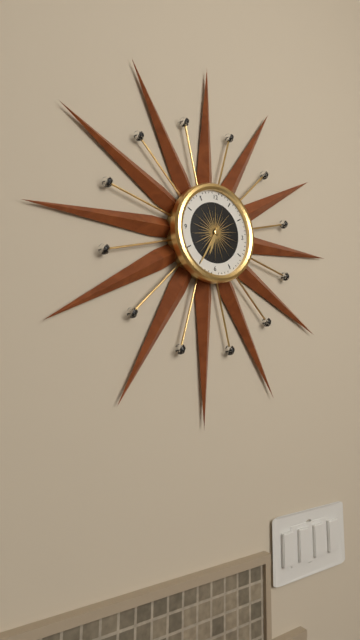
6:35
